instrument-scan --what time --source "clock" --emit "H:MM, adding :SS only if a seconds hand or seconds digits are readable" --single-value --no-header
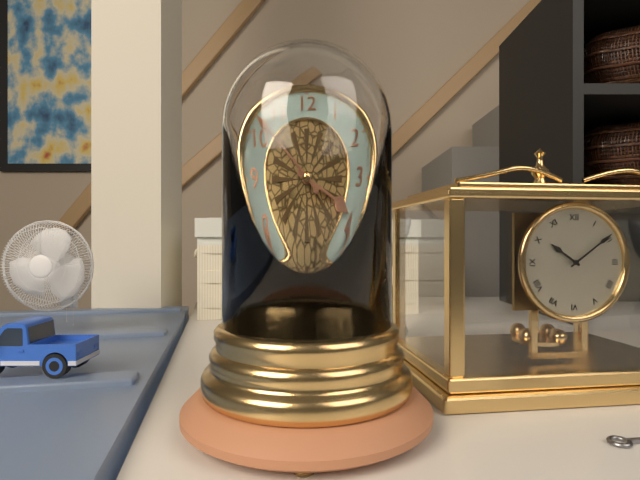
3:52
